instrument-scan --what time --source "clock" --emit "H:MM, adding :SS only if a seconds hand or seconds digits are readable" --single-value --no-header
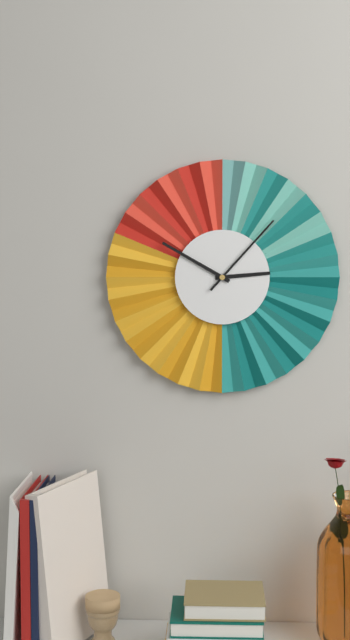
2:50:07
